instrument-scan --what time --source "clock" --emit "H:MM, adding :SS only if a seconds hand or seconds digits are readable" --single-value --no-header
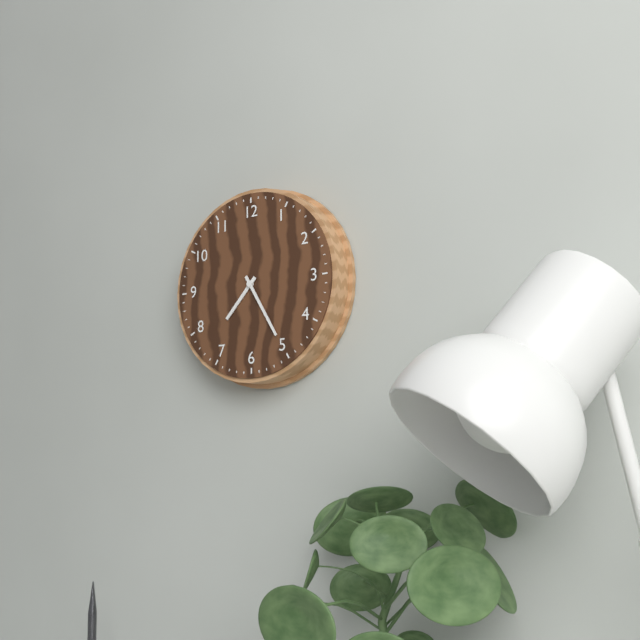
7:25
